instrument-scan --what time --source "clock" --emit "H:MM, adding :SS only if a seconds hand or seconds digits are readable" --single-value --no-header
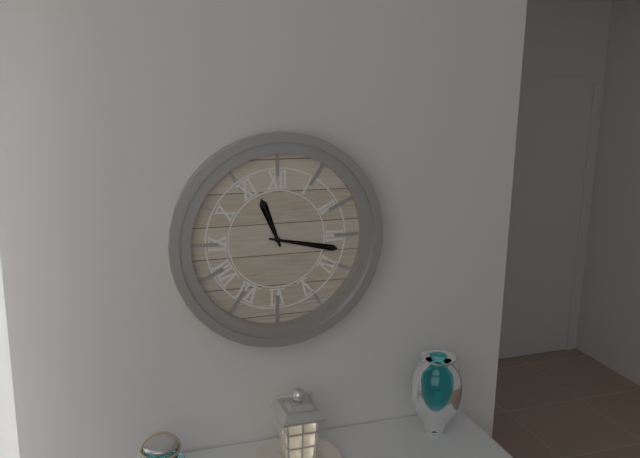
11:17
